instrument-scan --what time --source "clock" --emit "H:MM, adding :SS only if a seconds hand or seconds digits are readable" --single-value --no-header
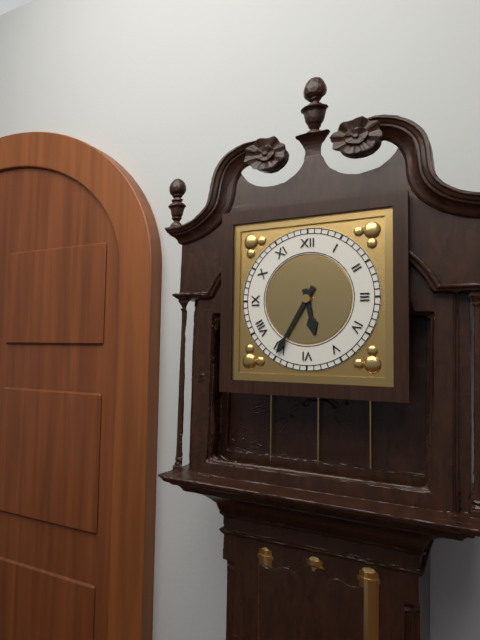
5:35
